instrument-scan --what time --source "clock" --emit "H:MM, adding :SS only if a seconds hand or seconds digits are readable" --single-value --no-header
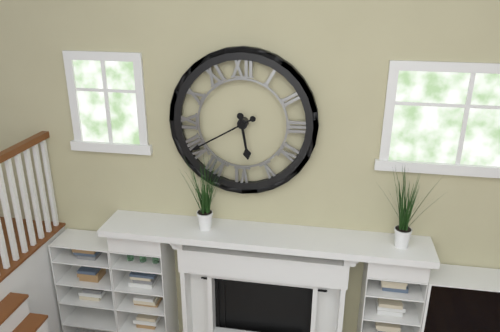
5:40
